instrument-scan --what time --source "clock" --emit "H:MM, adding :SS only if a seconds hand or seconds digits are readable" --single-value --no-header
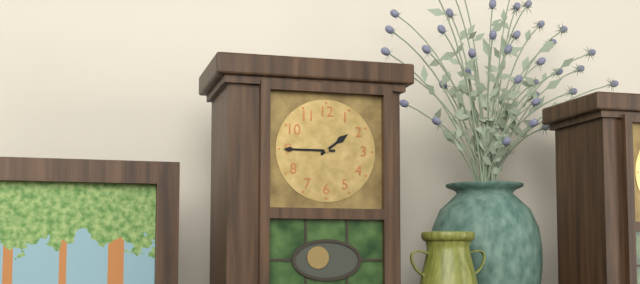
1:45
